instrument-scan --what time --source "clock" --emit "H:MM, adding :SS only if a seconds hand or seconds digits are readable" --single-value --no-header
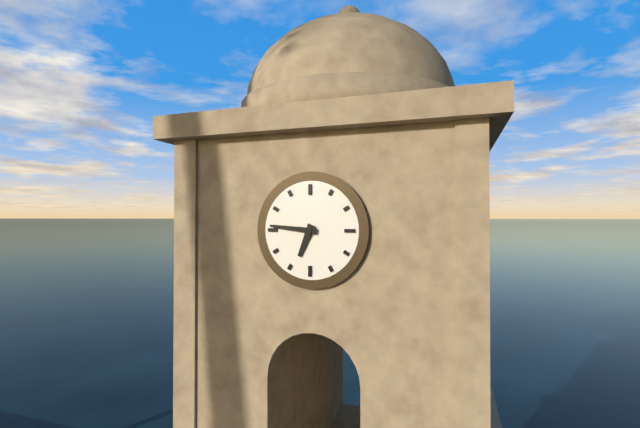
6:46
